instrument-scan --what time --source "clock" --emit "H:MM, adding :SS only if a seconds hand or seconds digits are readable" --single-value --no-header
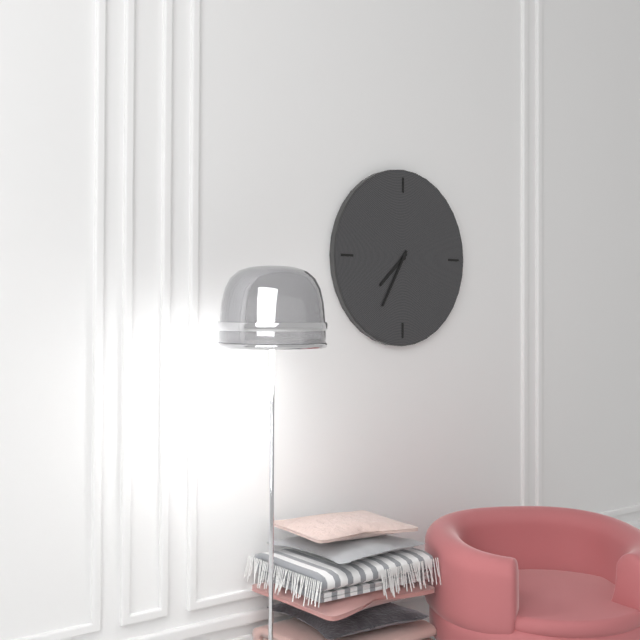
7:35
